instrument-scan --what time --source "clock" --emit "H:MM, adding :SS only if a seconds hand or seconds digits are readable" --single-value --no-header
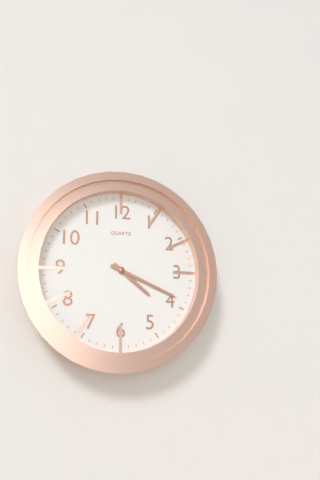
4:19
